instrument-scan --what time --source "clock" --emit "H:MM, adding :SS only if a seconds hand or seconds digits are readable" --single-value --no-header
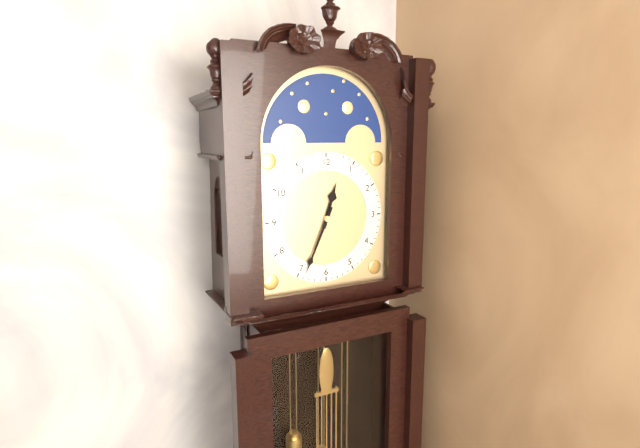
12:34
